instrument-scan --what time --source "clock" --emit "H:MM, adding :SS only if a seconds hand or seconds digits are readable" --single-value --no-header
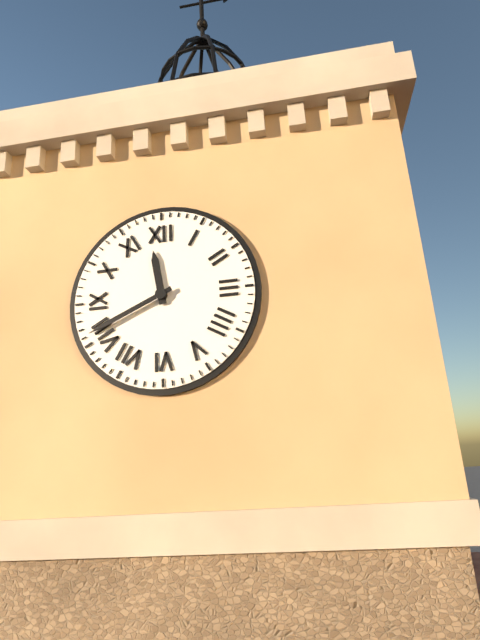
11:41
